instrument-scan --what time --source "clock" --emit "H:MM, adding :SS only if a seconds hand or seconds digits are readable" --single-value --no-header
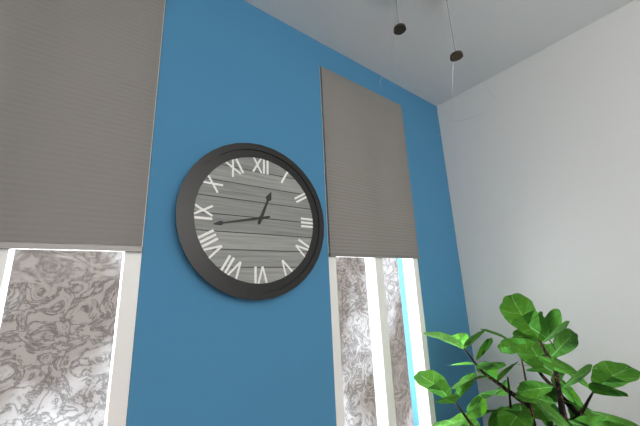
12:43
